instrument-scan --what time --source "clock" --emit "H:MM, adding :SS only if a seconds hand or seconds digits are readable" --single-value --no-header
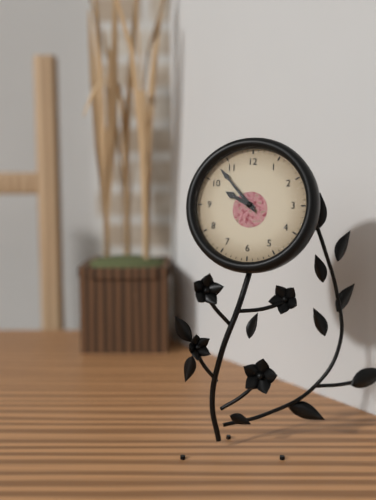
9:53
